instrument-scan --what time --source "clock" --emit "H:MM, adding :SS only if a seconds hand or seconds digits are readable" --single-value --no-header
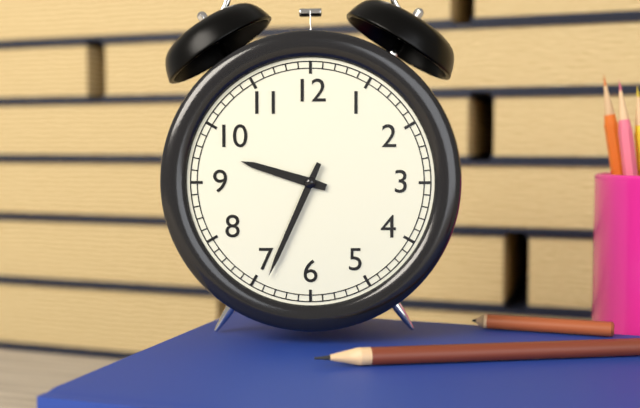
9:34
